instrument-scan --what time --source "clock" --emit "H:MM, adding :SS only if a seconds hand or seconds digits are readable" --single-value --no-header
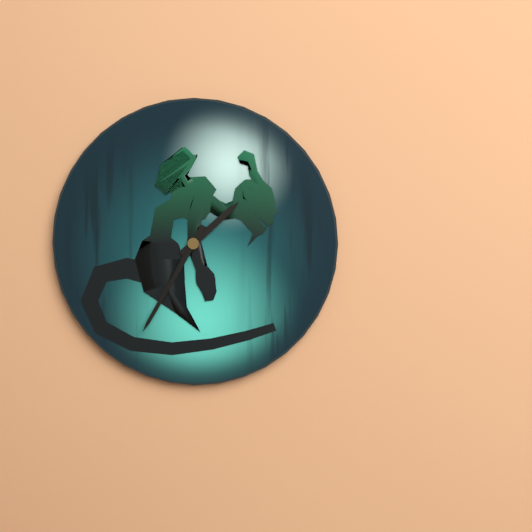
1:35
